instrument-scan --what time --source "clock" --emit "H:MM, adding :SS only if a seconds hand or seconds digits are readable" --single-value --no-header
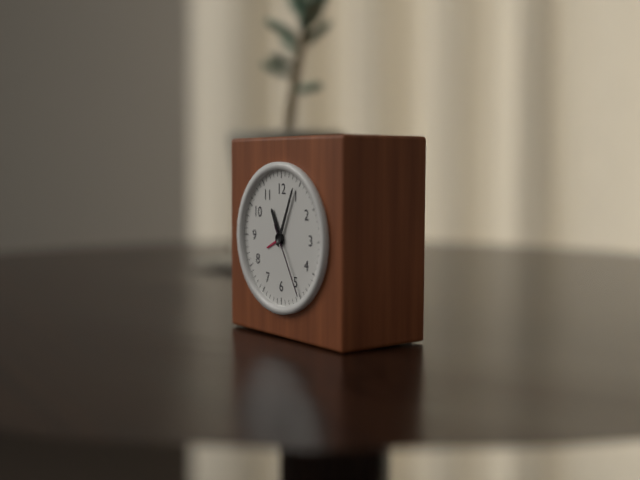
11:04:25
